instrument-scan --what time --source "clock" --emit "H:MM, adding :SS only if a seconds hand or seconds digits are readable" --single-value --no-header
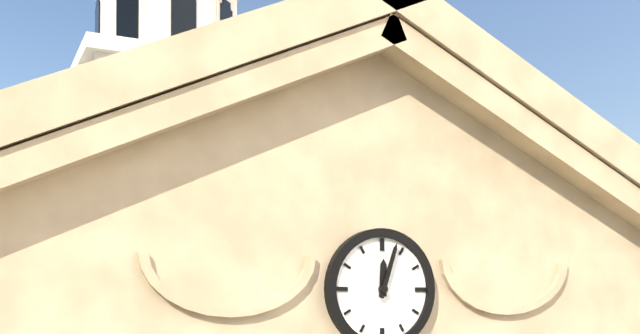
12:03
